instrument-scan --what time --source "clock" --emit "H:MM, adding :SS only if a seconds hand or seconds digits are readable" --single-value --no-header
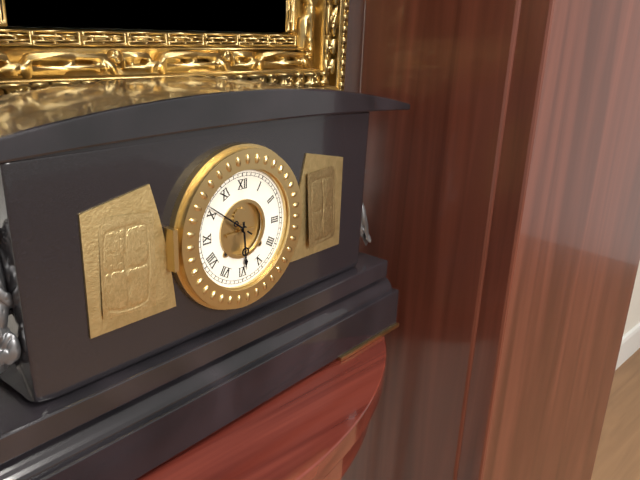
5:51
